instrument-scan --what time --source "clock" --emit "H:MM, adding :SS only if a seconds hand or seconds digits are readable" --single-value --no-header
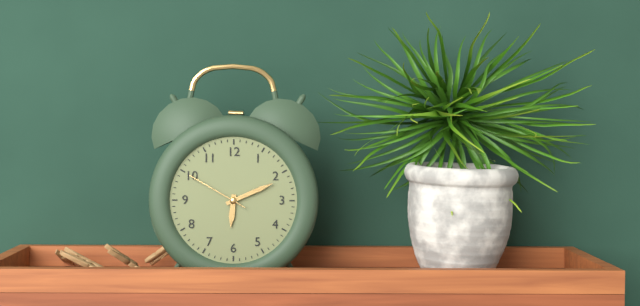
6:11:50
